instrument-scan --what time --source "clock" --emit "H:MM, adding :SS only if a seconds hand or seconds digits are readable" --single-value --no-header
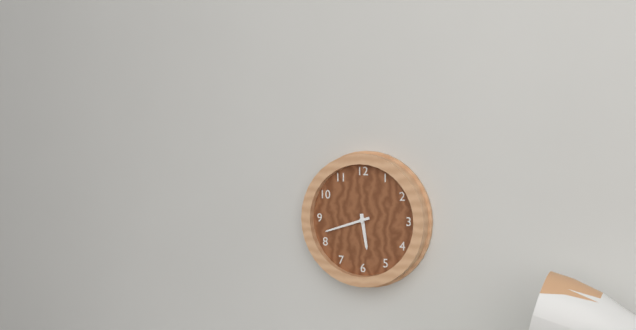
5:42
